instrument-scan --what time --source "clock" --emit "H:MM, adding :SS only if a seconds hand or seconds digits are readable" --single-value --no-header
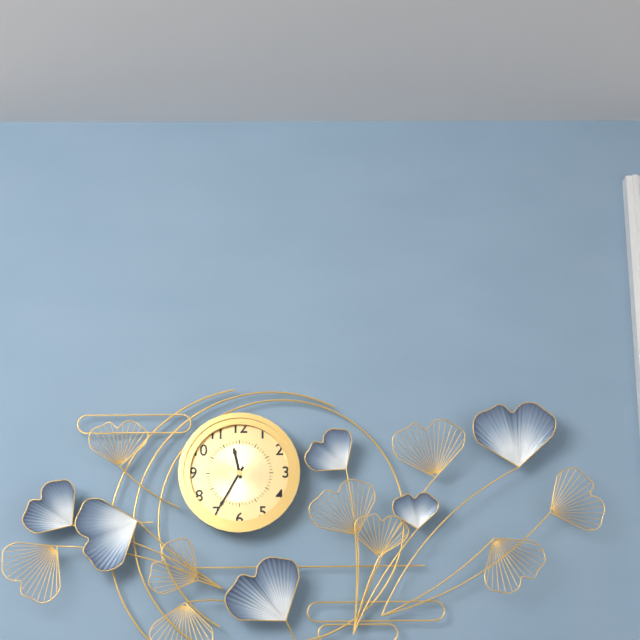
11:35
